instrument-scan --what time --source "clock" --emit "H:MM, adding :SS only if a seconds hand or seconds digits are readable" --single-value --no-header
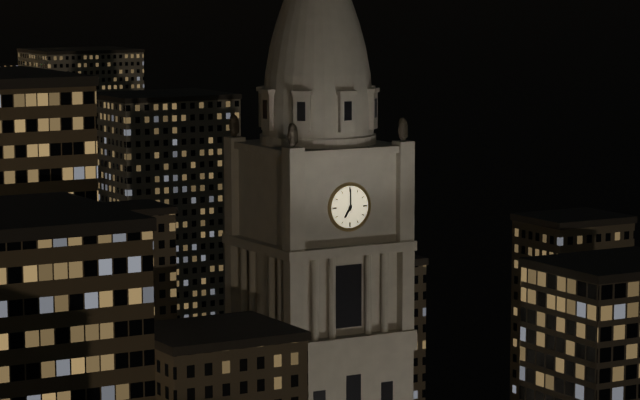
7:00
